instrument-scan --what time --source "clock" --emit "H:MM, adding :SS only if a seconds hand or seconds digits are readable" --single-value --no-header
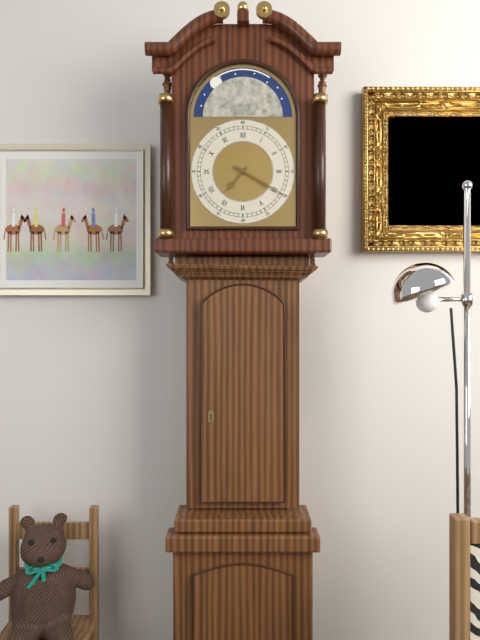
7:20
